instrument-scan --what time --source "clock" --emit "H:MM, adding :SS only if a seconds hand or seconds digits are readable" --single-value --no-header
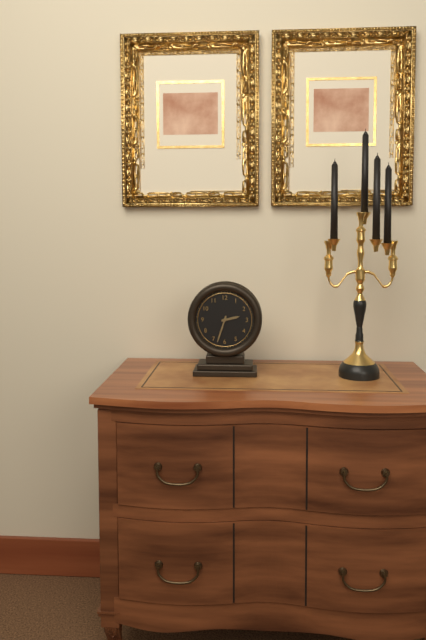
2:33
